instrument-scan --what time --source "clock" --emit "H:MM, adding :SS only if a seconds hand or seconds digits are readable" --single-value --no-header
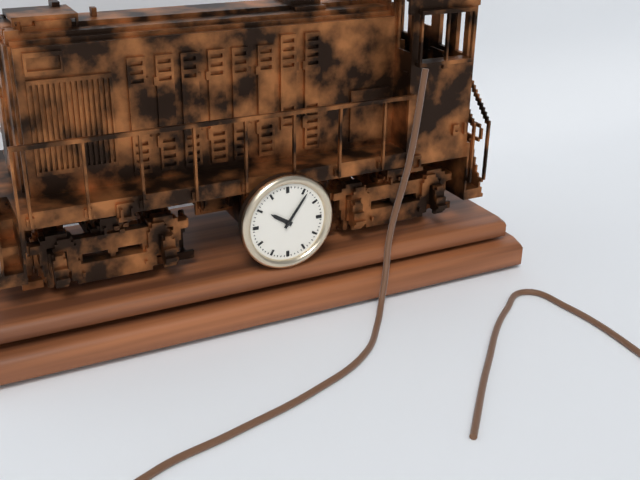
10:06
